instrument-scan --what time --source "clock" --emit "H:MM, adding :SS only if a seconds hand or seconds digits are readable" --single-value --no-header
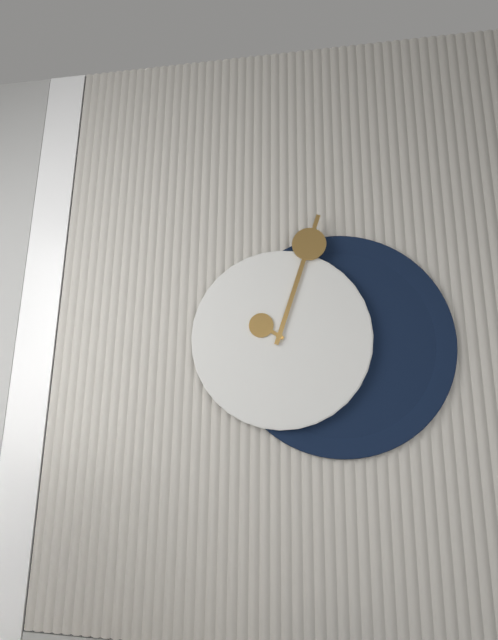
10:03
